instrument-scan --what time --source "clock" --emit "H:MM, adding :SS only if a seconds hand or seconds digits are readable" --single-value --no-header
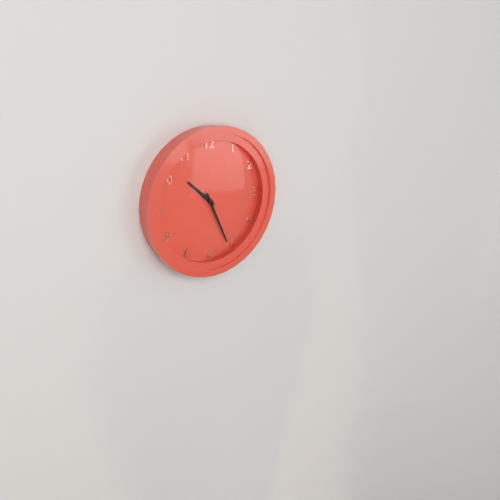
10:26
